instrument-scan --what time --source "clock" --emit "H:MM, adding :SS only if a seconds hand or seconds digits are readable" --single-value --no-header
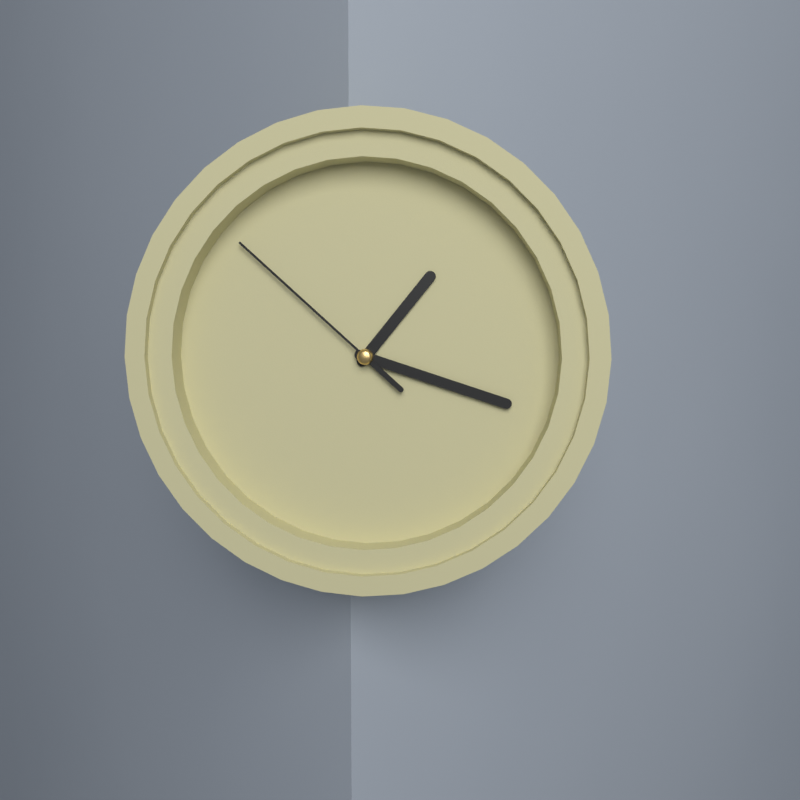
1:18:52
